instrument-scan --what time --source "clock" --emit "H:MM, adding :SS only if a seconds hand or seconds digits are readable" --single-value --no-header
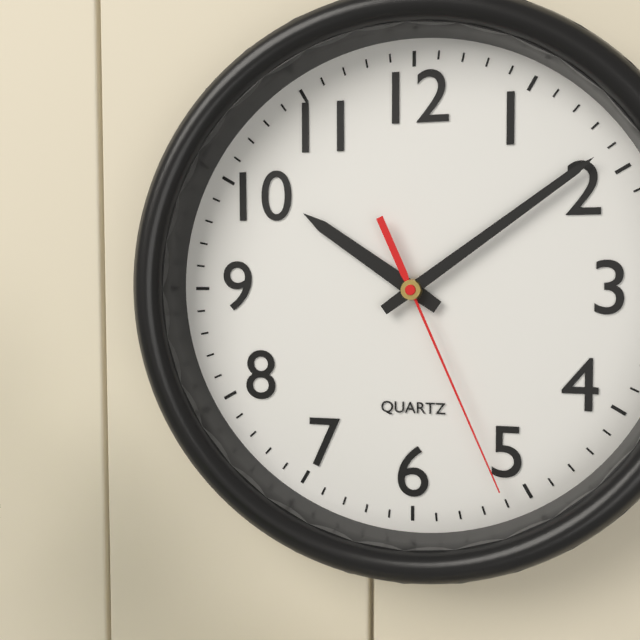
10:09:26
